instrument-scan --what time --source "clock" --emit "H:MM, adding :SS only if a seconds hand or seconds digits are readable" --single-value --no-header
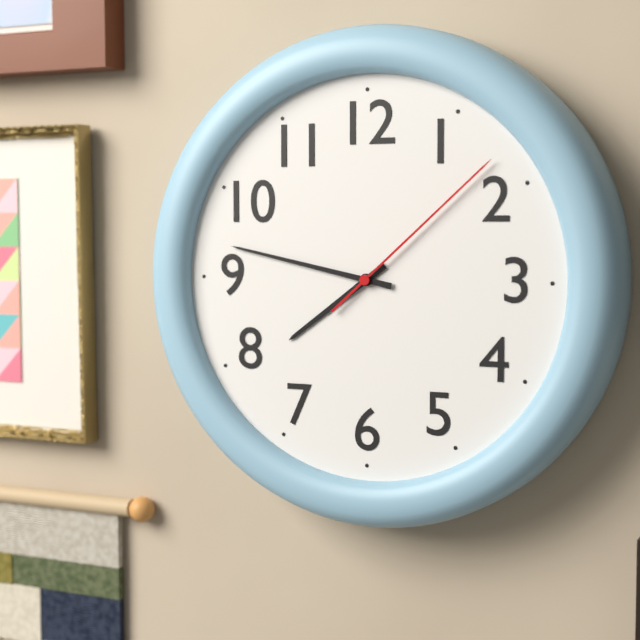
7:47:08
